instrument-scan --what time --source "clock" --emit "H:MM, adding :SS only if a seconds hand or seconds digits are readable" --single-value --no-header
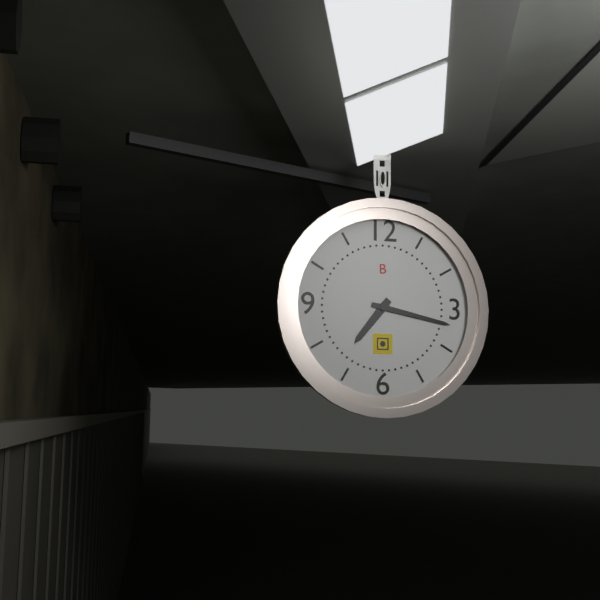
7:17
